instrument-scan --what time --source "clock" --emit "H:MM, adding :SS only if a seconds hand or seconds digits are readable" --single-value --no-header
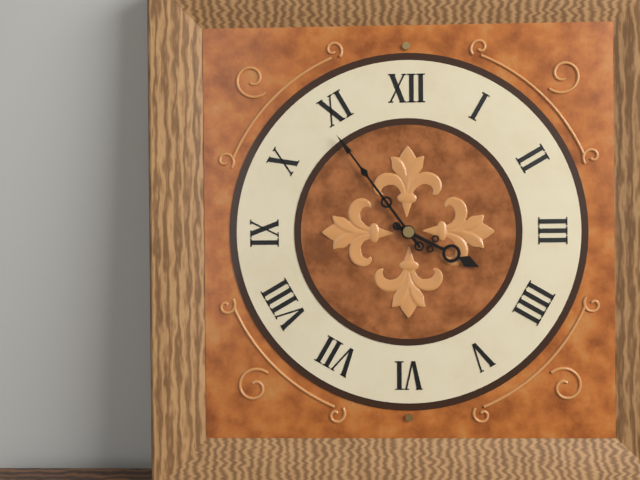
3:54
